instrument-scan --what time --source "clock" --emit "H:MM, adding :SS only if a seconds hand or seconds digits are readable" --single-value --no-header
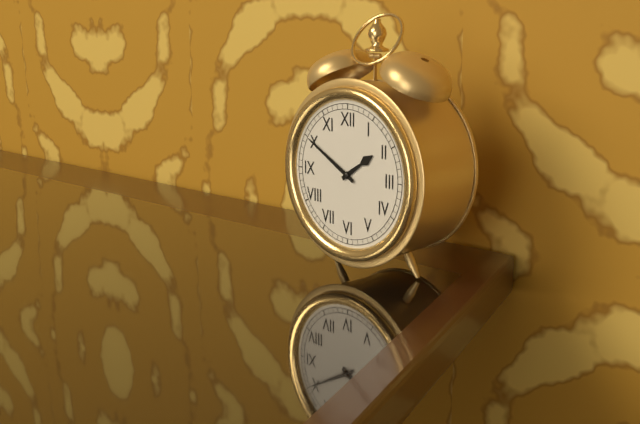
1:50
